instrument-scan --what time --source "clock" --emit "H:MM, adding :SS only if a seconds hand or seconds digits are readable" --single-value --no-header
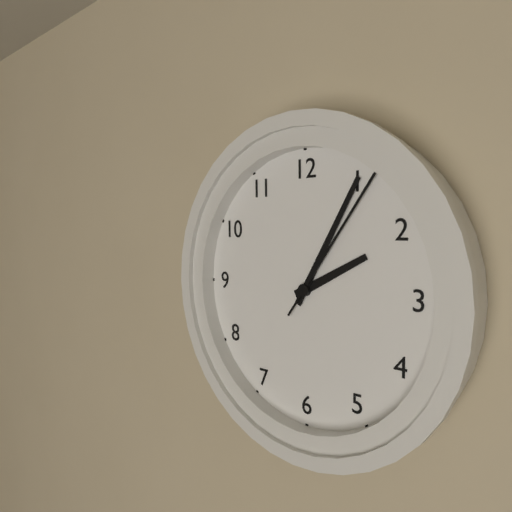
2:05:06
